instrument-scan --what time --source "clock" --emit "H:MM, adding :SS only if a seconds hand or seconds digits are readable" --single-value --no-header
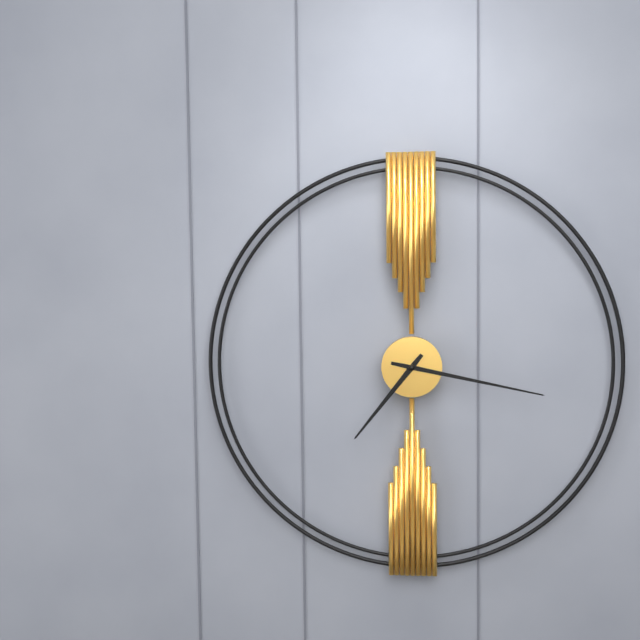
7:17
